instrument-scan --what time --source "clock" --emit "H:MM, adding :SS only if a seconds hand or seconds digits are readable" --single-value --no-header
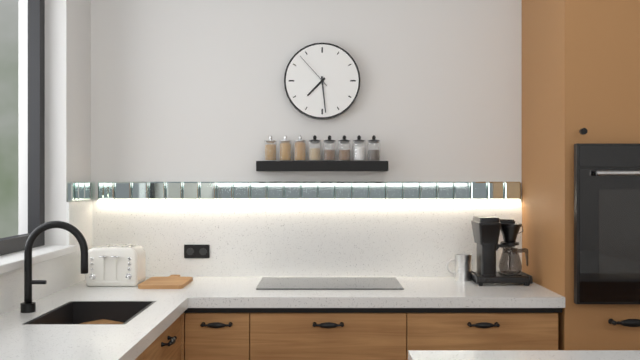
7:29
